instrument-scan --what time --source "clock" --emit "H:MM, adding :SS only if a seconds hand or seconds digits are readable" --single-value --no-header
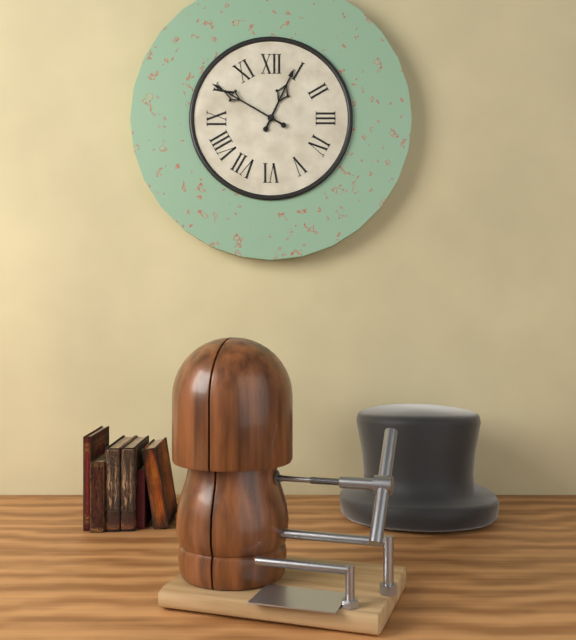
12:50
